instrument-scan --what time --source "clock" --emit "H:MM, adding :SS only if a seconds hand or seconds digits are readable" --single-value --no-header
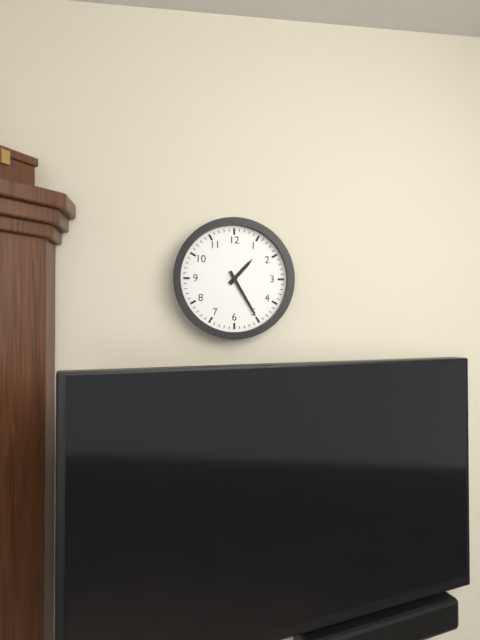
1:25
